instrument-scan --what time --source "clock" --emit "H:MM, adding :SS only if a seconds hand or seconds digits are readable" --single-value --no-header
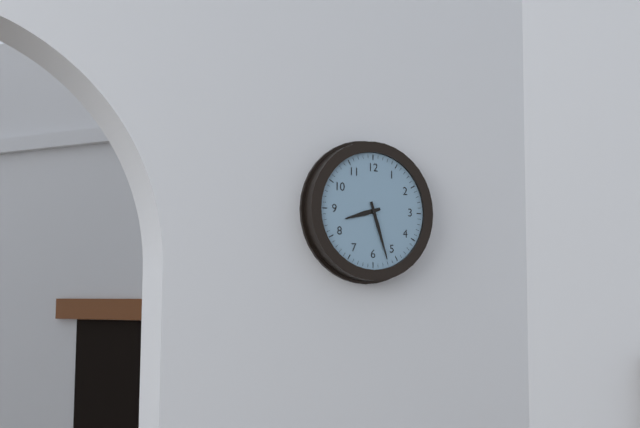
8:27
